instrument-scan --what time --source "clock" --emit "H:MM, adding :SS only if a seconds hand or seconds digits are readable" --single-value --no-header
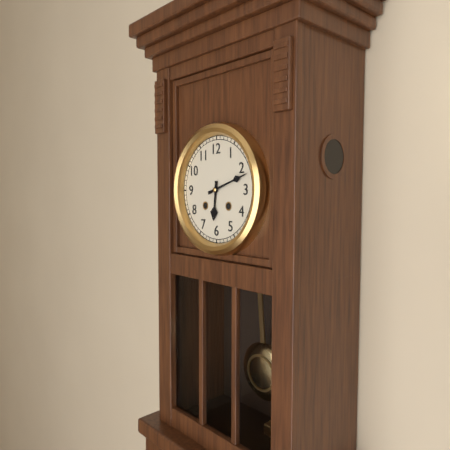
6:12
